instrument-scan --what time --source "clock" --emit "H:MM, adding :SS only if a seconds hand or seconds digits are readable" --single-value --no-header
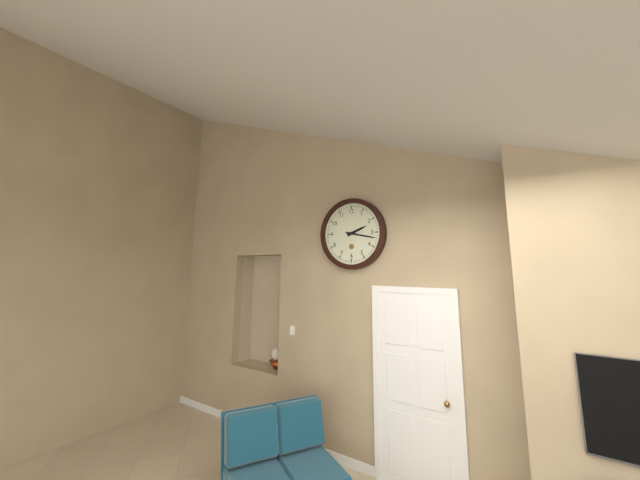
2:17
